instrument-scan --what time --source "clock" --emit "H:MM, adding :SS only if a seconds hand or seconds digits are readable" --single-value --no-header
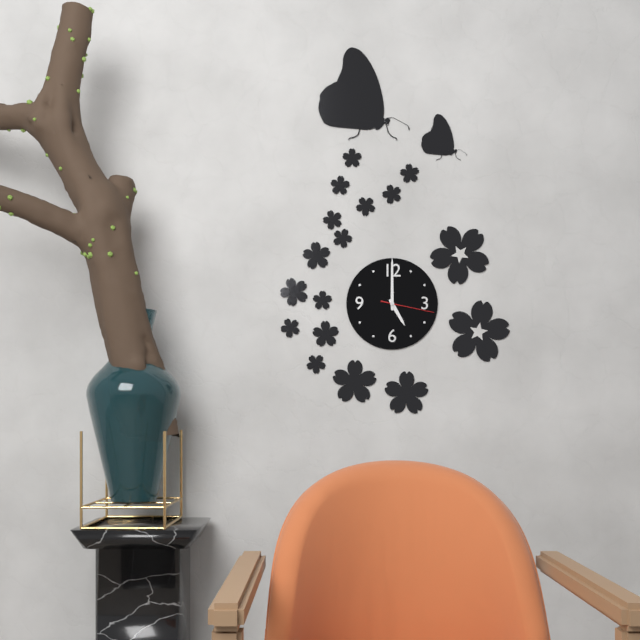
5:00:17
